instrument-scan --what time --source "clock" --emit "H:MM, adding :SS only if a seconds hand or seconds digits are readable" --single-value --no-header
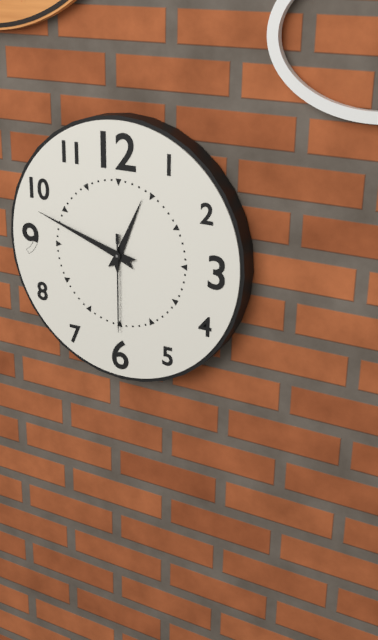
12:48:30
